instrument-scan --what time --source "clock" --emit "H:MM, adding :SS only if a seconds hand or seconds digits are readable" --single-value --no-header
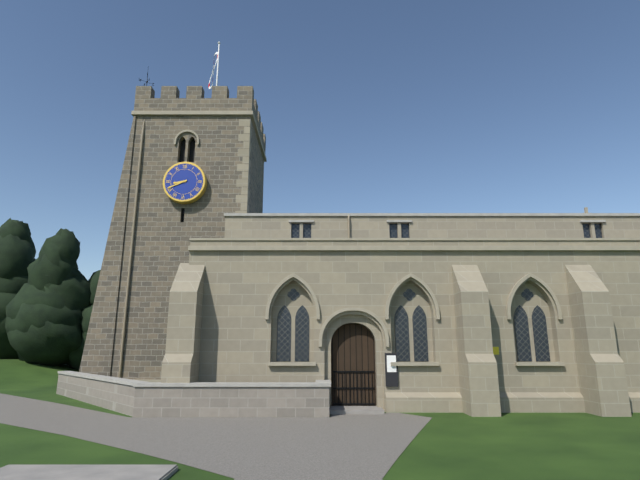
8:41
